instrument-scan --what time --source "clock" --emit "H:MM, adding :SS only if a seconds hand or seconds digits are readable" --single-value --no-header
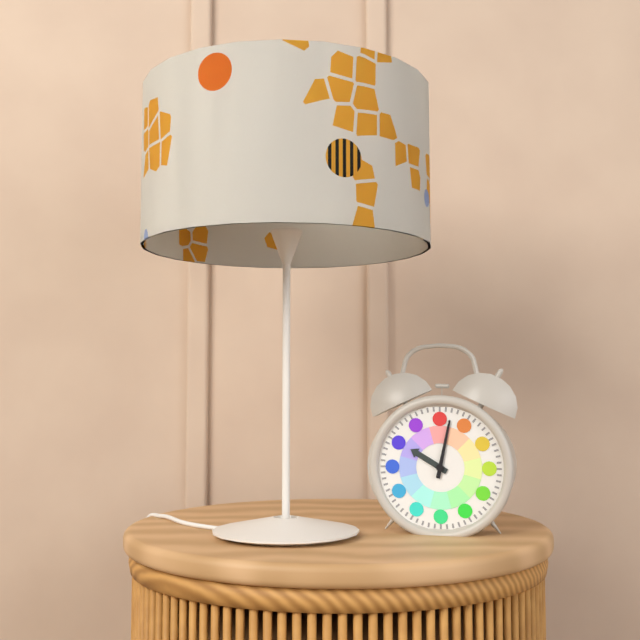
10:02
